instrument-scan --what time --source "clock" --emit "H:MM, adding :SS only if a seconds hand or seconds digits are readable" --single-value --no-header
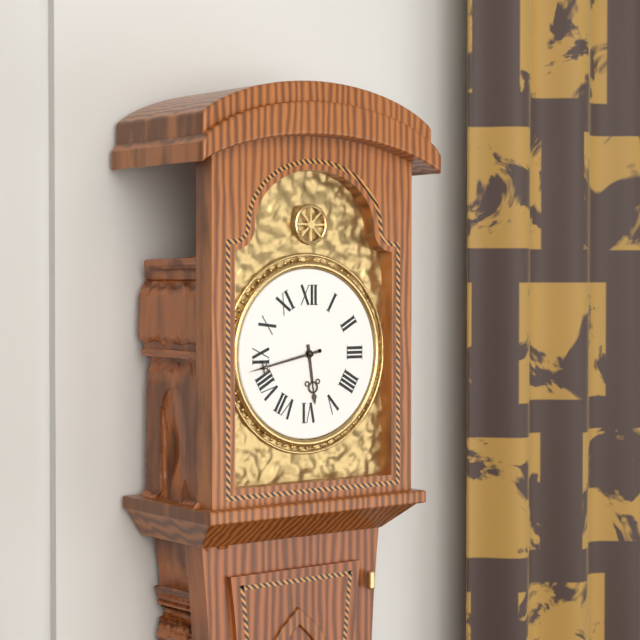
5:43
